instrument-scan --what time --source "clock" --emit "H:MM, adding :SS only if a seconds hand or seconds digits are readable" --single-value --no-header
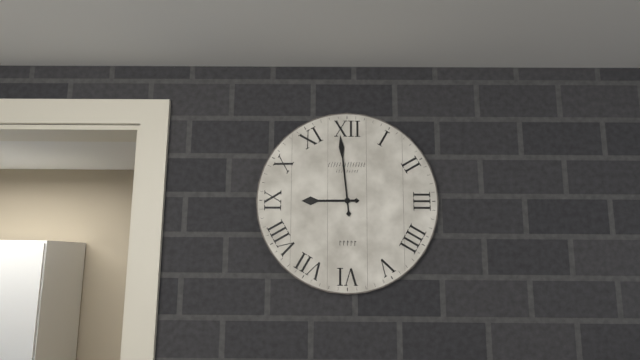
8:59
